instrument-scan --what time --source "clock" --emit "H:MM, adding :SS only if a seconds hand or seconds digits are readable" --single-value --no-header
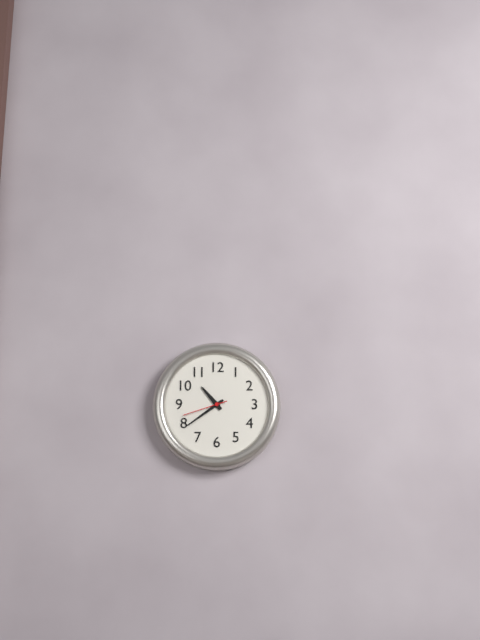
10:39
